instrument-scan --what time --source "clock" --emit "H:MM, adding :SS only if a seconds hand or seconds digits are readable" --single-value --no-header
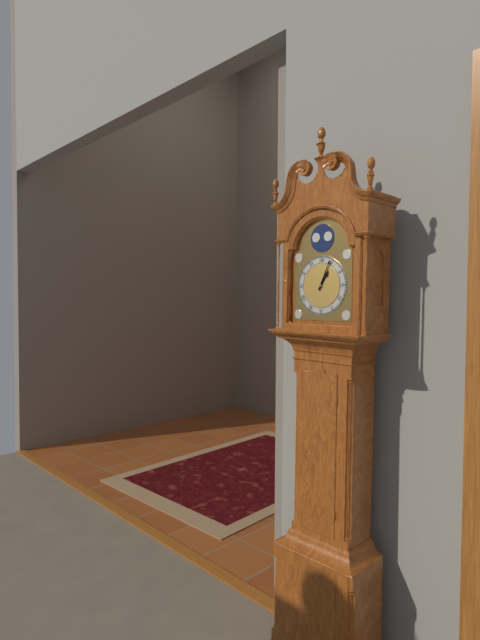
1:04
